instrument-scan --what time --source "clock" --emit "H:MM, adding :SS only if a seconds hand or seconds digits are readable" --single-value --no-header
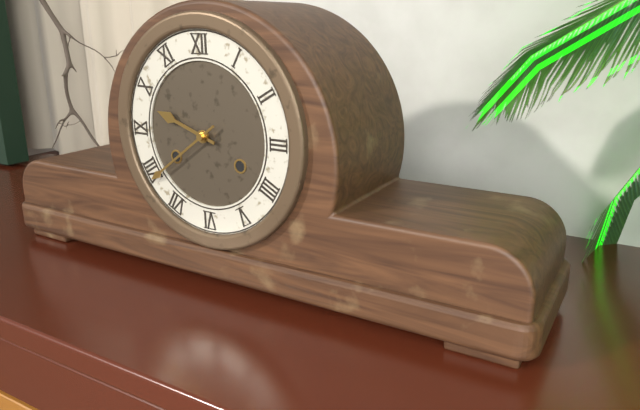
9:39
